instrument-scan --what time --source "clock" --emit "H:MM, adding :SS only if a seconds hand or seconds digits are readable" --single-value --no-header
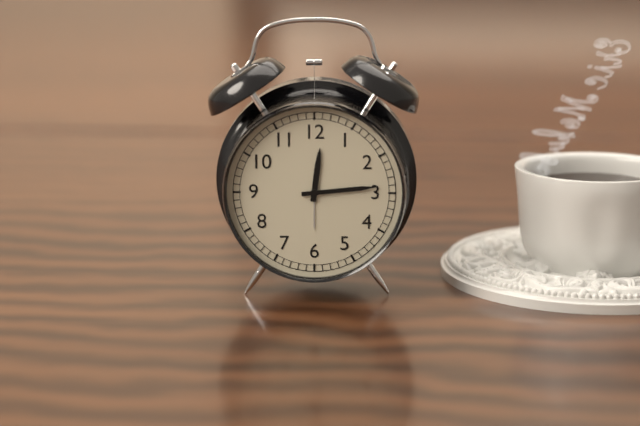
12:14
